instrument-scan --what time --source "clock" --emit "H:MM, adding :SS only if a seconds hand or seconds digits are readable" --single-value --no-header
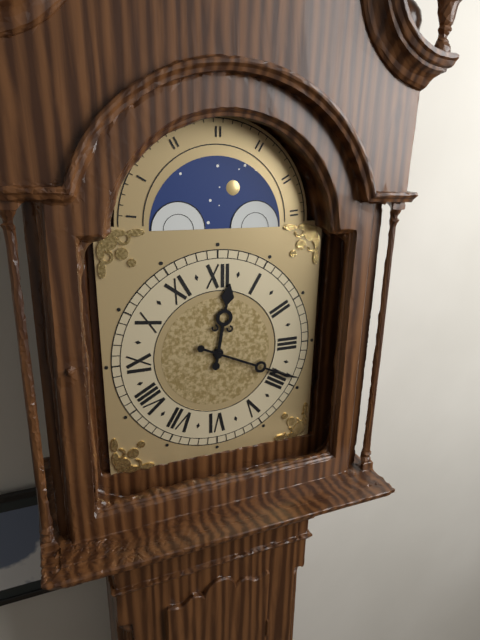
12:19
